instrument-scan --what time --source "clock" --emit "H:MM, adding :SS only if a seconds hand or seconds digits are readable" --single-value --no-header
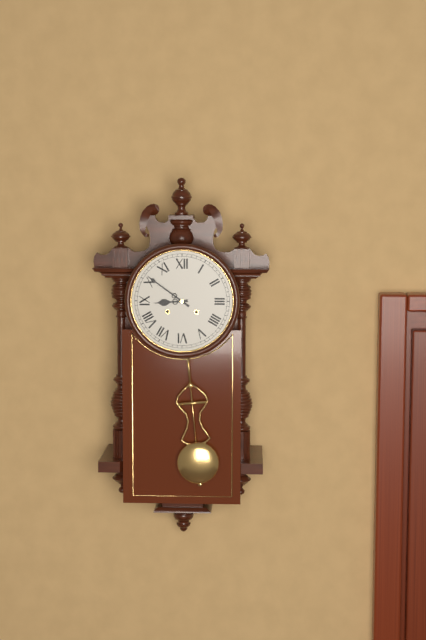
8:51
